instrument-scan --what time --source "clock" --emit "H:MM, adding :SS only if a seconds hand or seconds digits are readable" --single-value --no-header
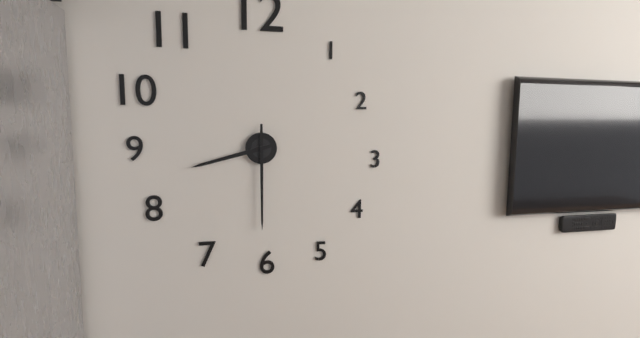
8:30
